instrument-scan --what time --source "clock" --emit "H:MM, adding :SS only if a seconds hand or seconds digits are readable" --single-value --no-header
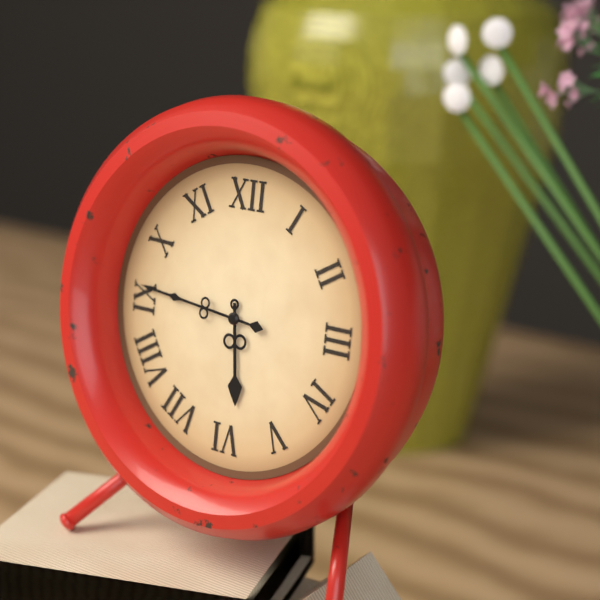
5:46
